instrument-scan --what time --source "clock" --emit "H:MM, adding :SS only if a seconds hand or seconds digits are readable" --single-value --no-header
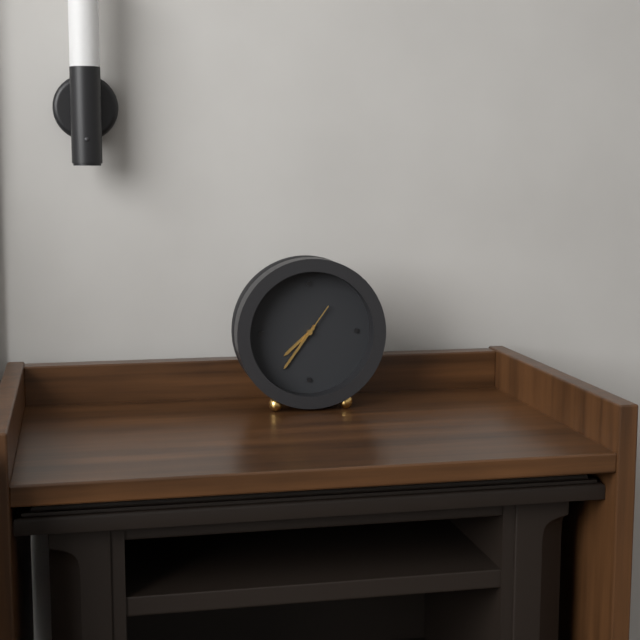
7:36
